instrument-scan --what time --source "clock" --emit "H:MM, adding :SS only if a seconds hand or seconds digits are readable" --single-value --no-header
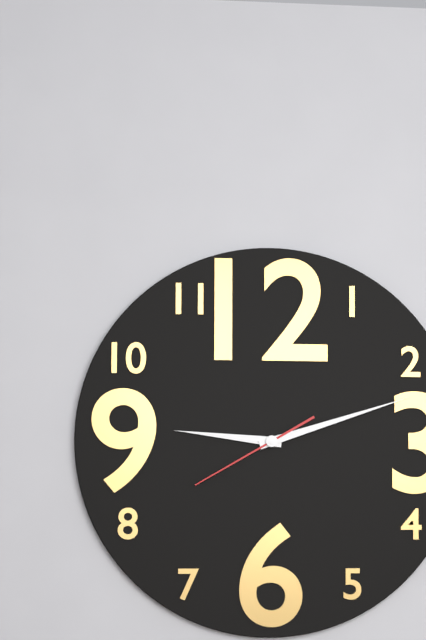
9:12:40
